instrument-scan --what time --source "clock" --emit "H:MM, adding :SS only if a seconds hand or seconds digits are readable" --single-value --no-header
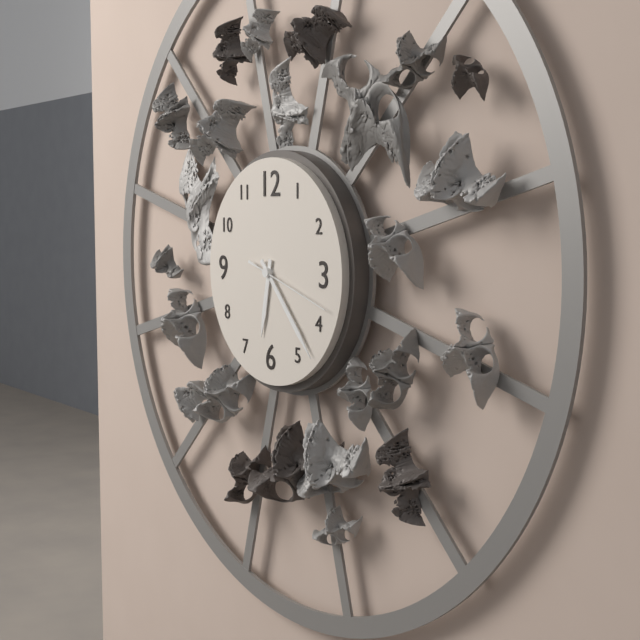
6:23:18
